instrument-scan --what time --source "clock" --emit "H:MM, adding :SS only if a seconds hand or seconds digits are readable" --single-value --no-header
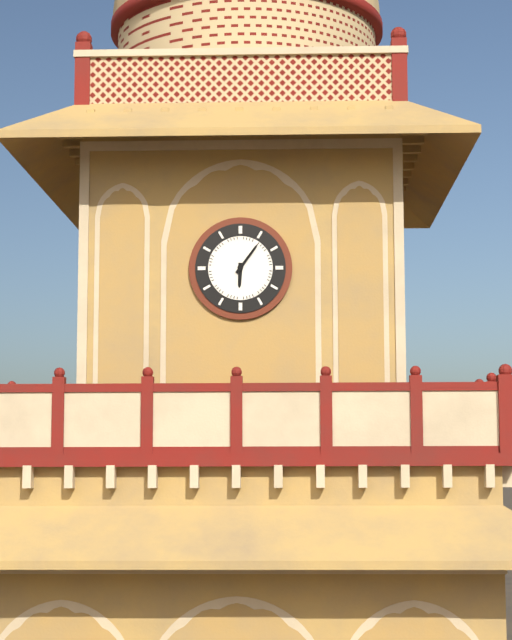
6:06
